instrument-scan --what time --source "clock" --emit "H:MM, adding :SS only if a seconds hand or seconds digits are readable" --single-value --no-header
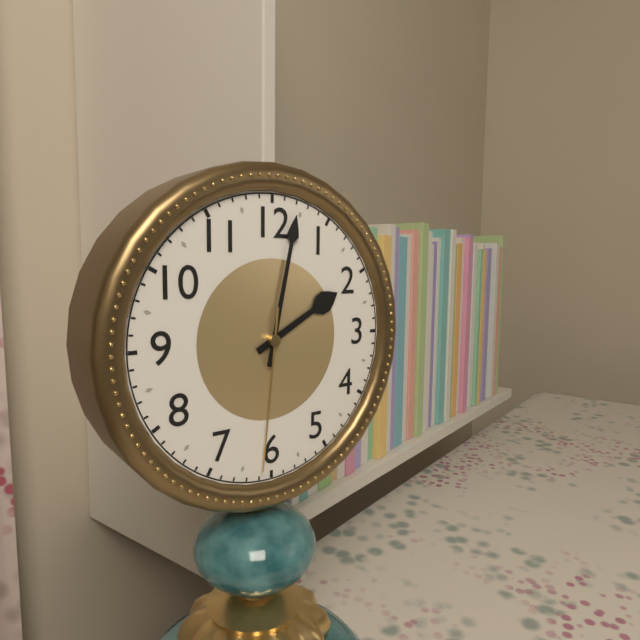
2:02:31
